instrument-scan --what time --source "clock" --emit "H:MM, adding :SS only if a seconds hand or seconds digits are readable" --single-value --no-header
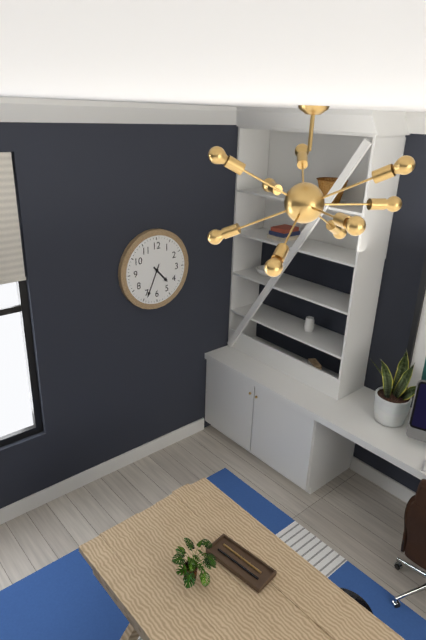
4:34
